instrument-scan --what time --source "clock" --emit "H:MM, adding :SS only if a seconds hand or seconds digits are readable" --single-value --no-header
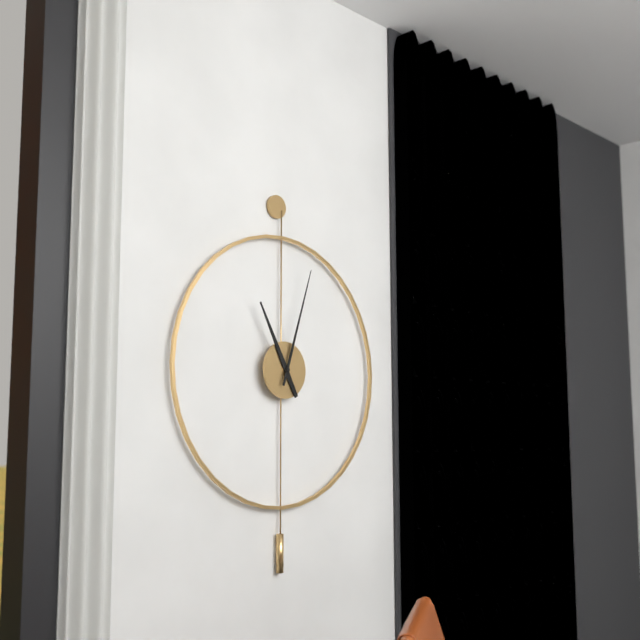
11:03
